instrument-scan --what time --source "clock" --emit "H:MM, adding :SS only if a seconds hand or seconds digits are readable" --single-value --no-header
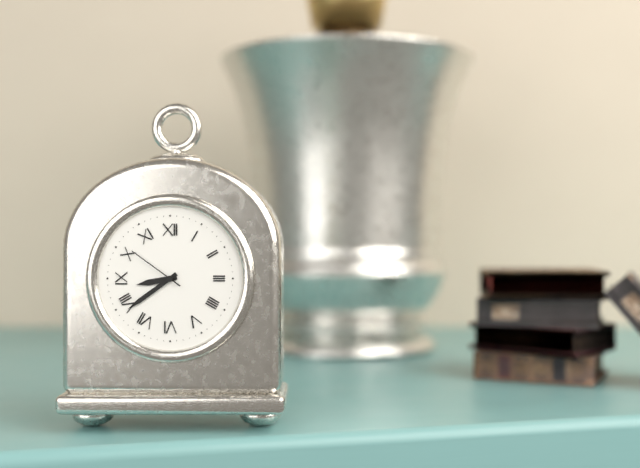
8:39:51
